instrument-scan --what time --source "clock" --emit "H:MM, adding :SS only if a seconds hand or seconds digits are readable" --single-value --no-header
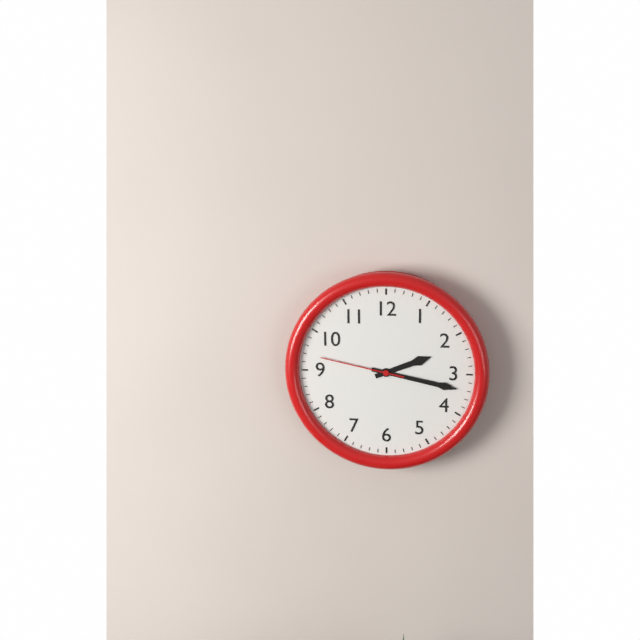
2:17:47
